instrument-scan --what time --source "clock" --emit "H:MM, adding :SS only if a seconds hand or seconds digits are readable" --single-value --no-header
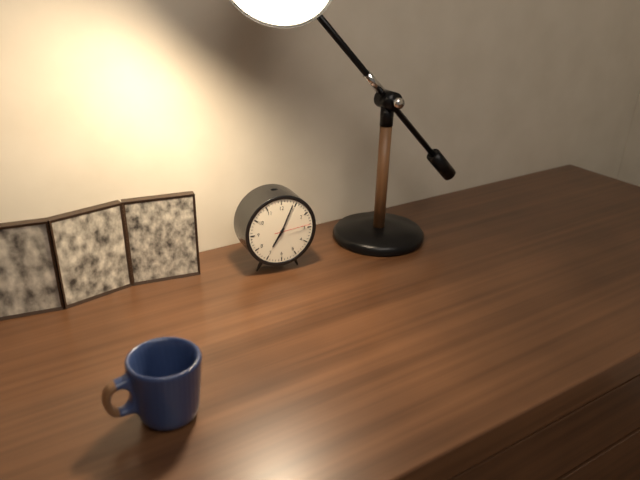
7:04
